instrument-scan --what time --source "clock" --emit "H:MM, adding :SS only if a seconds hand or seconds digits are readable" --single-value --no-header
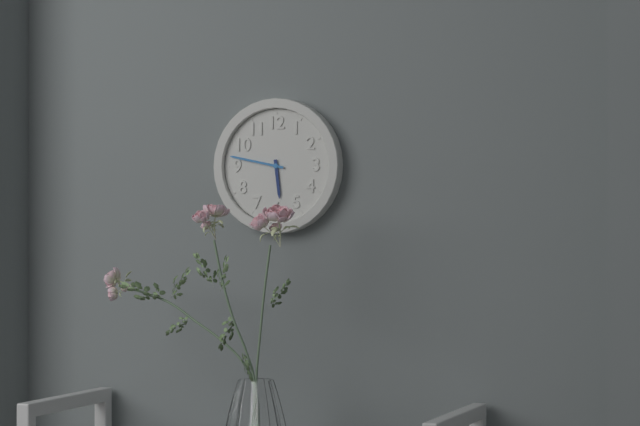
5:47
